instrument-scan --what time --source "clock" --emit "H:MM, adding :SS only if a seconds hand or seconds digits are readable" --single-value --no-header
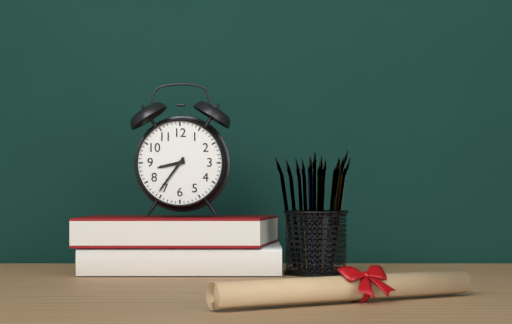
8:36
